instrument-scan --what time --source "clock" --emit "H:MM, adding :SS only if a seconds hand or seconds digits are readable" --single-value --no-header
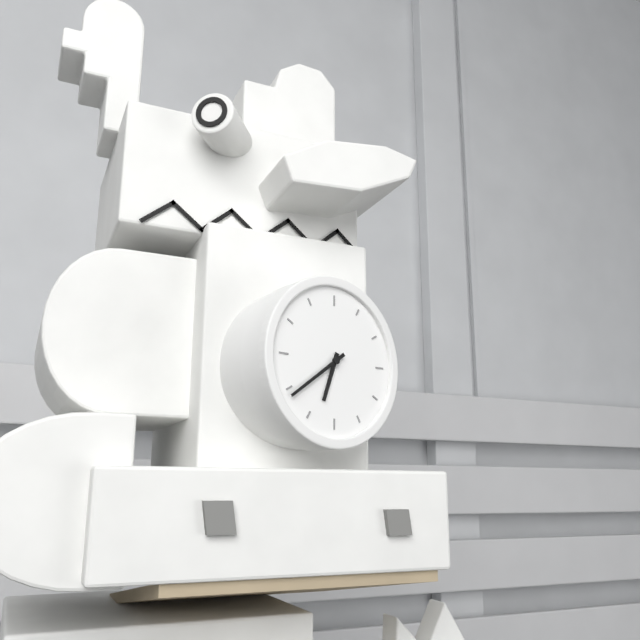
6:39
